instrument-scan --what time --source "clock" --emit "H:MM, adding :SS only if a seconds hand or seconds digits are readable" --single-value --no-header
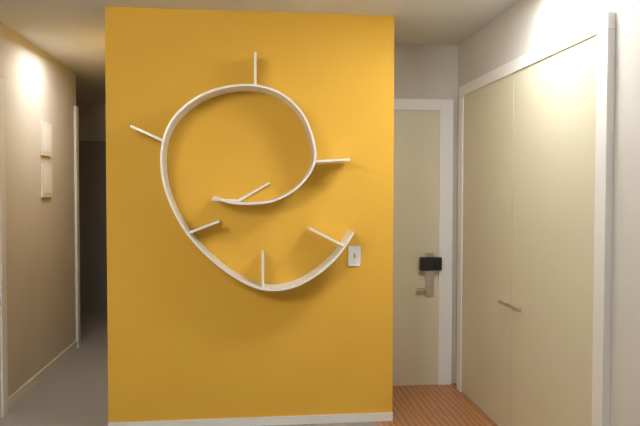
9:10
